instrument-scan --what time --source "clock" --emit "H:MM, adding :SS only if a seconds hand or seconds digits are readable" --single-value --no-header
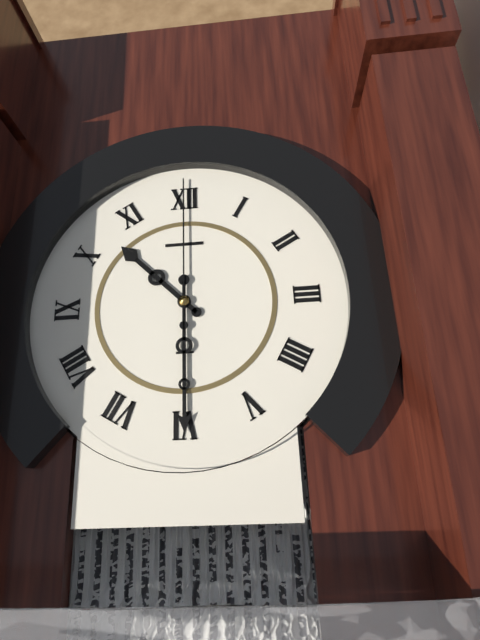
10:30:00
